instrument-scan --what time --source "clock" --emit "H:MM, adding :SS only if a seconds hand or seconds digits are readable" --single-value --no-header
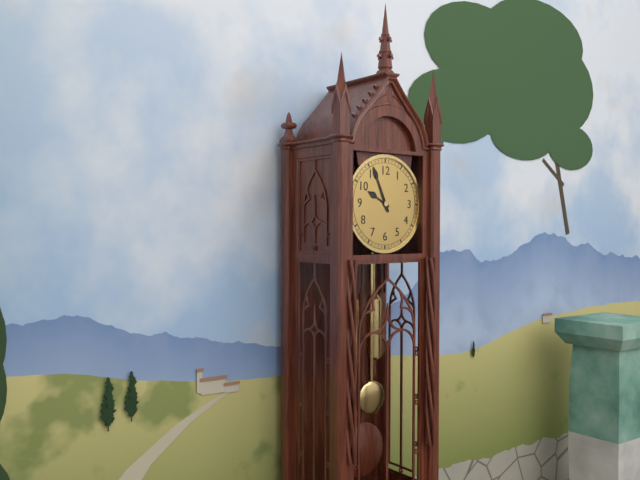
9:56
